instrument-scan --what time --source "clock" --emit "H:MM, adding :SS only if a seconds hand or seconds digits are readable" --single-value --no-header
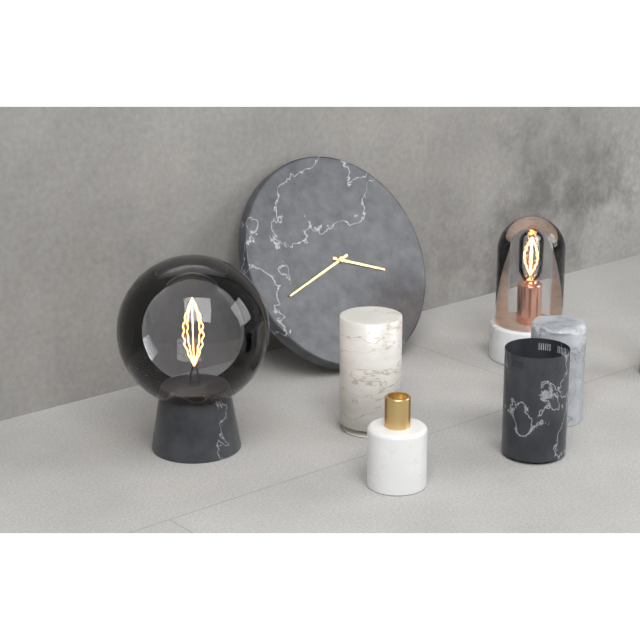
3:42
